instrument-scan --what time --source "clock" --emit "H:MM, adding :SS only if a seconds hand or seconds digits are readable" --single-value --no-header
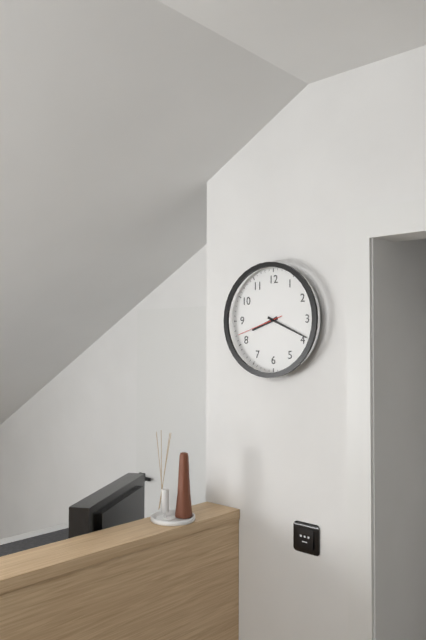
8:19
